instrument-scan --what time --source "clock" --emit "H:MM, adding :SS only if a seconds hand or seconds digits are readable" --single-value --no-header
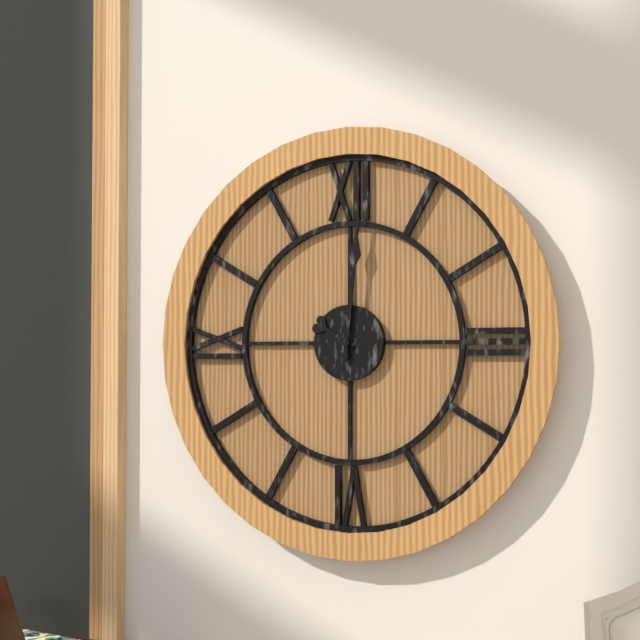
10:01
